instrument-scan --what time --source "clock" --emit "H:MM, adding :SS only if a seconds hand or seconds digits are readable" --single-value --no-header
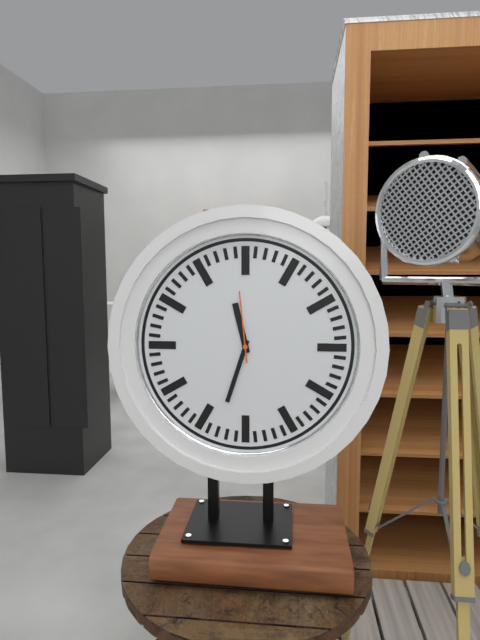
11:33:59
